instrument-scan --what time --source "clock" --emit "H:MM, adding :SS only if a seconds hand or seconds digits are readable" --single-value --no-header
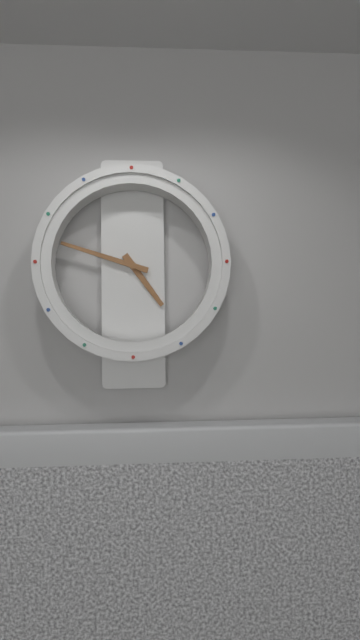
4:48
